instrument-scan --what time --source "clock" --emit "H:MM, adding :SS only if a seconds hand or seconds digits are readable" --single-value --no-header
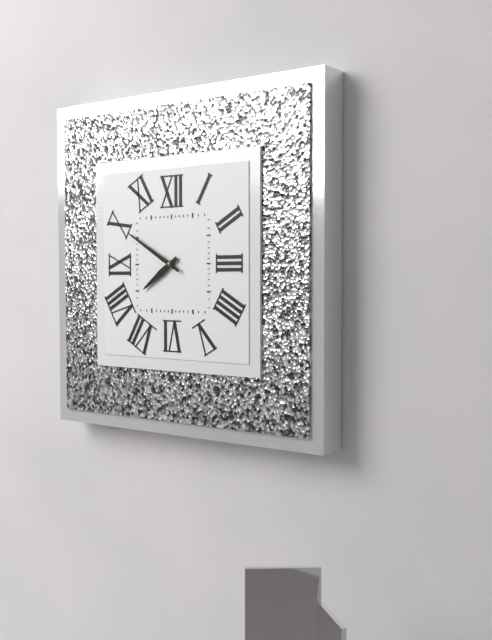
7:50
